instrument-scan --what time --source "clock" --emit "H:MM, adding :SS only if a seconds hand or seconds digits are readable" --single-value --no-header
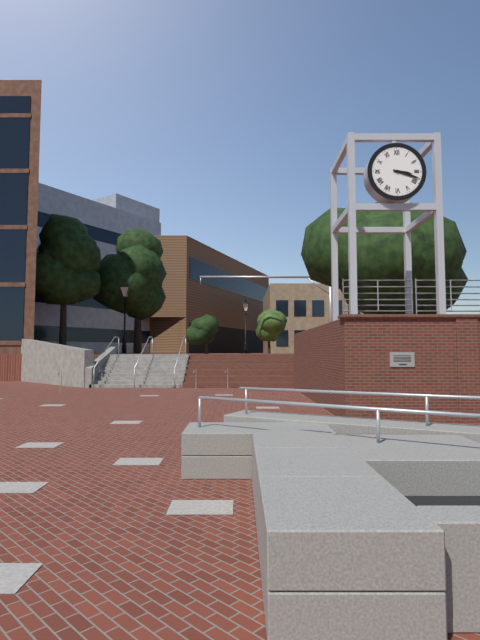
3:18
